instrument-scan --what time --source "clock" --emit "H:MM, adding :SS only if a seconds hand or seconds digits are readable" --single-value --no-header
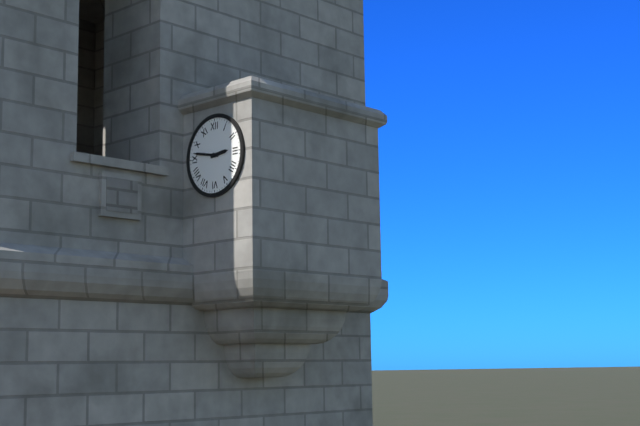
2:47
